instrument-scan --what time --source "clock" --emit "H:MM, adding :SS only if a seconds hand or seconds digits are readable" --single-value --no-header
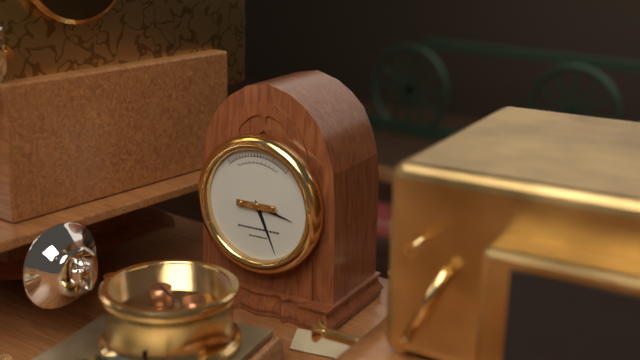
3:26
